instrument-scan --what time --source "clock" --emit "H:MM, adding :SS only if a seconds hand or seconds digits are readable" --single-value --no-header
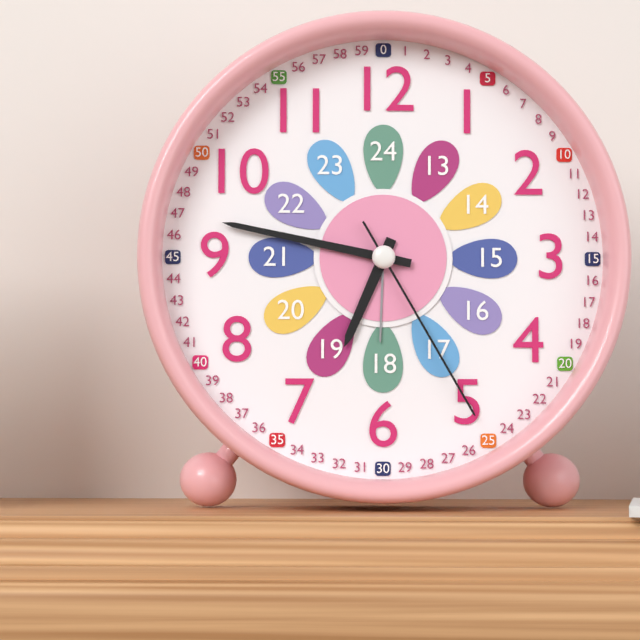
6:47:25
